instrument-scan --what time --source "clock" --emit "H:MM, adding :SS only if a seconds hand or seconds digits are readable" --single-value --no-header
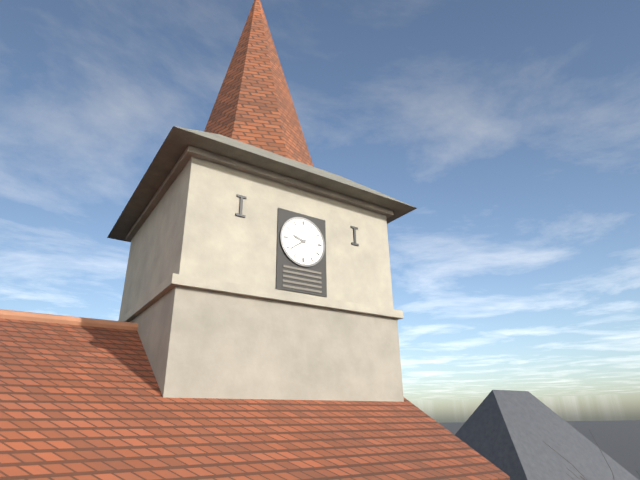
9:39
